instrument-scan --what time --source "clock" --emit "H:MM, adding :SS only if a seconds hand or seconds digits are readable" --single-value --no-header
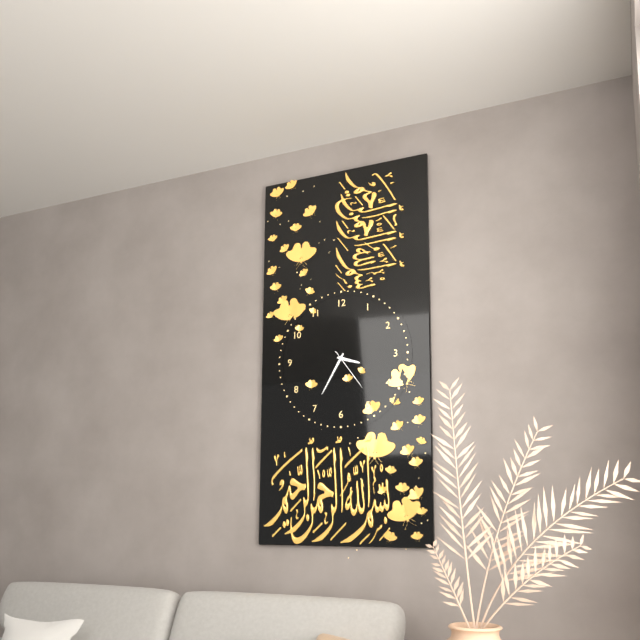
3:35
